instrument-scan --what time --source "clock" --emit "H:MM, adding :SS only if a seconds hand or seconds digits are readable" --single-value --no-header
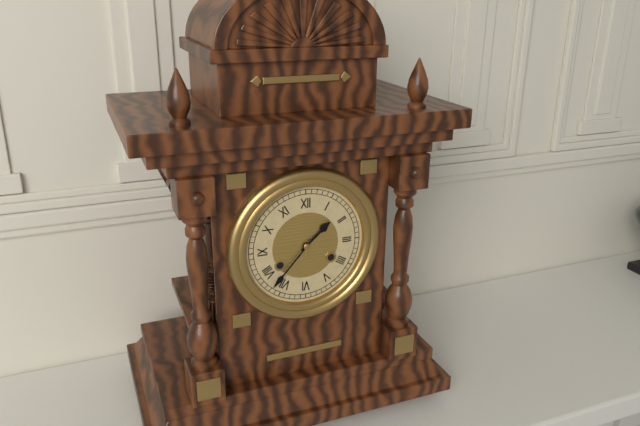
1:37
